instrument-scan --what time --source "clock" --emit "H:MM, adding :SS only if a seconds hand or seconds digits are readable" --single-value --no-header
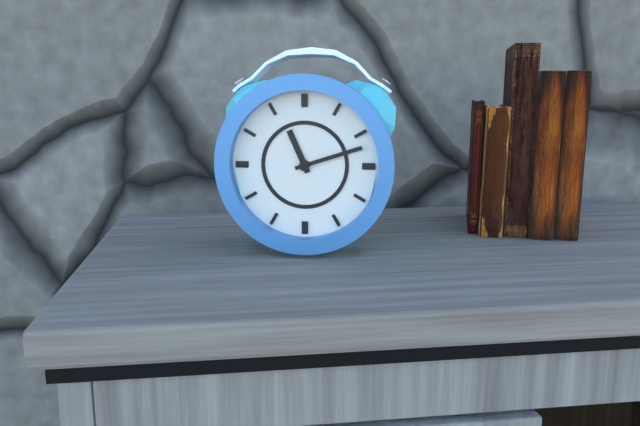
11:12
